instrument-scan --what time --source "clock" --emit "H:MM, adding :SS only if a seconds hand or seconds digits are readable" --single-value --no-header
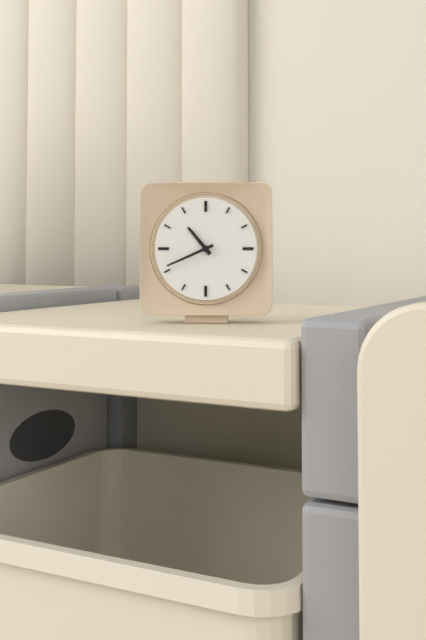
10:41
